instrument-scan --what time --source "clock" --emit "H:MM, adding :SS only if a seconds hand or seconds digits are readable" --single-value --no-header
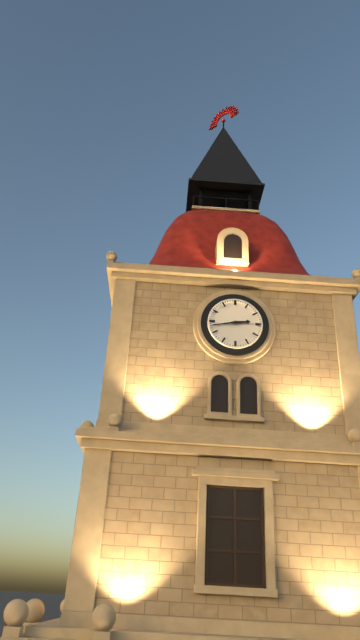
2:43
